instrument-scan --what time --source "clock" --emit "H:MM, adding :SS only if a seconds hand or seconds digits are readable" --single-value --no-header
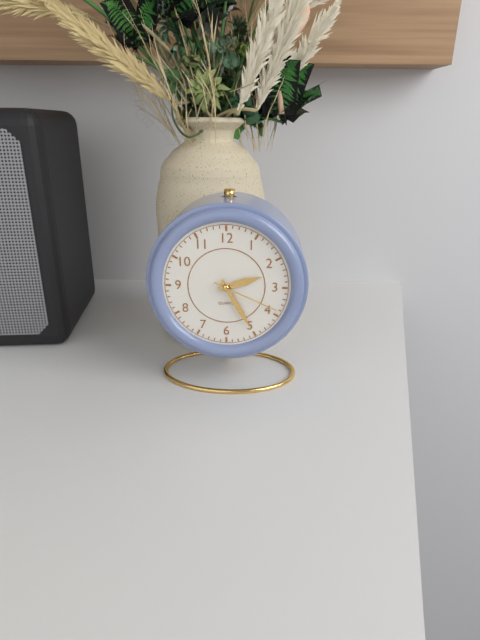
2:25:19
